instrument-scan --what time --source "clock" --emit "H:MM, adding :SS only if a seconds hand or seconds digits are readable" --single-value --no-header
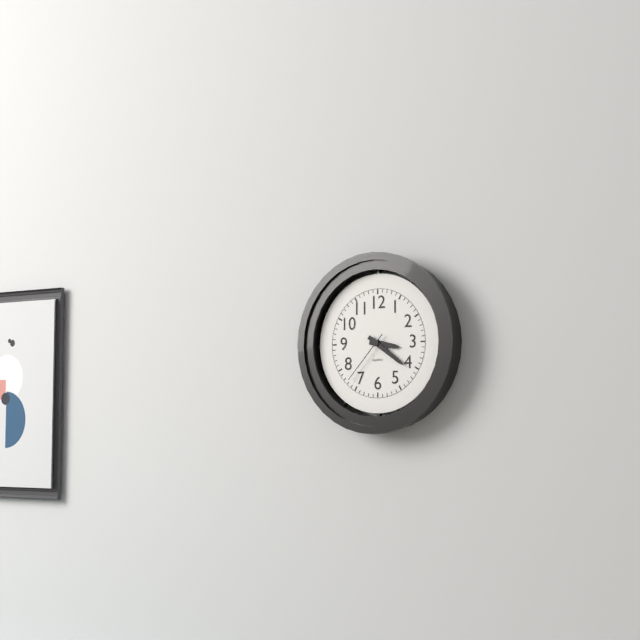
3:21:37
